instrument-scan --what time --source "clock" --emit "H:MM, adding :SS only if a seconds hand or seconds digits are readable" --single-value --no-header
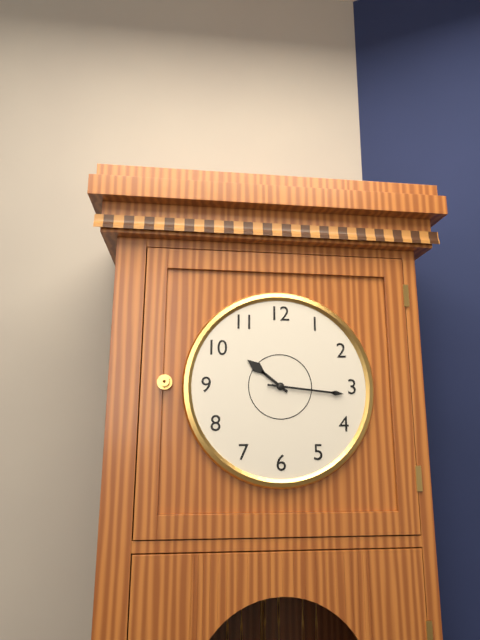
10:16
